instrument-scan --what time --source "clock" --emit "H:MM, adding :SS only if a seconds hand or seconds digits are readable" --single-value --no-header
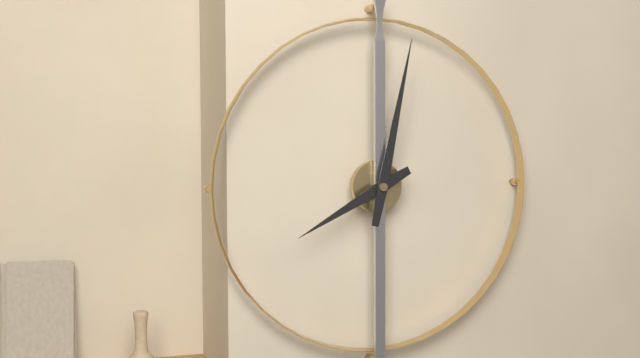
8:02
